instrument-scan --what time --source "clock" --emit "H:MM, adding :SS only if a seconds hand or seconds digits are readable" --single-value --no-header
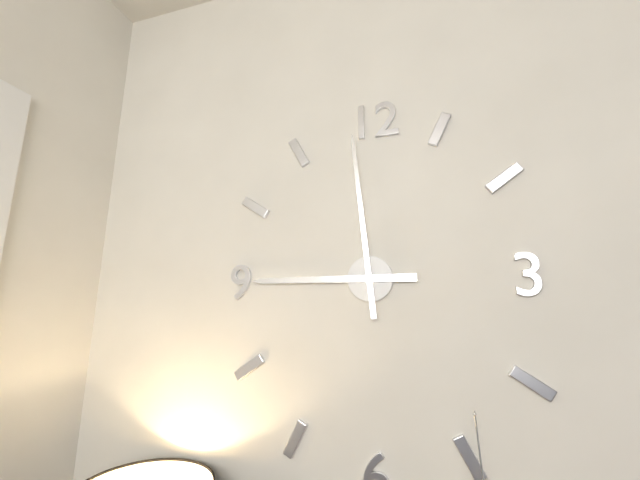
8:59
